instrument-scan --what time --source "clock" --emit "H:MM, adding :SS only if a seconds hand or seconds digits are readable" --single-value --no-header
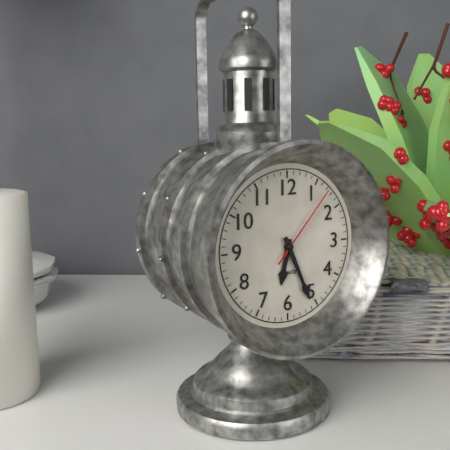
6:26:07
